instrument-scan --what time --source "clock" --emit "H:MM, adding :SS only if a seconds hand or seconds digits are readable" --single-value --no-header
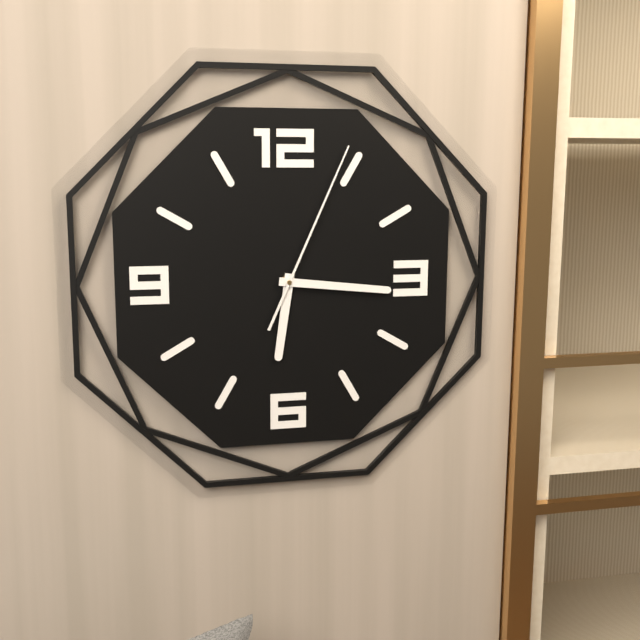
6:16:04
